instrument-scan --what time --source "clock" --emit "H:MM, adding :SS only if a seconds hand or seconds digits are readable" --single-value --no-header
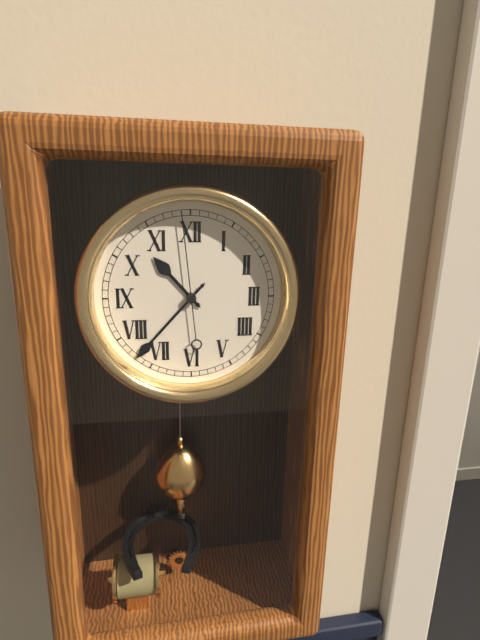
10:37:59
